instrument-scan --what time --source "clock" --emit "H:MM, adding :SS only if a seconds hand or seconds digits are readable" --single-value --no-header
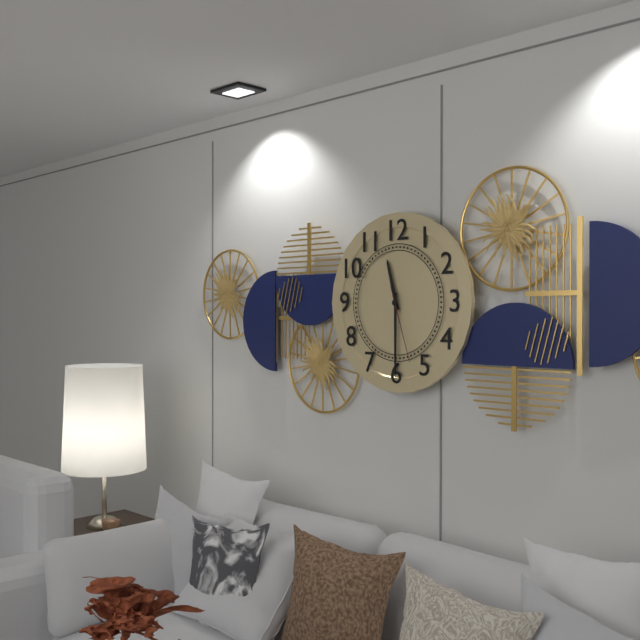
11:30:27
